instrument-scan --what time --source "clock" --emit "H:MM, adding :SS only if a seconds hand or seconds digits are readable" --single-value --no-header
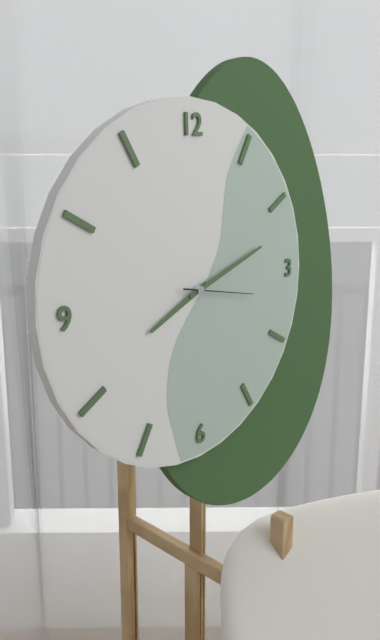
8:12:17
